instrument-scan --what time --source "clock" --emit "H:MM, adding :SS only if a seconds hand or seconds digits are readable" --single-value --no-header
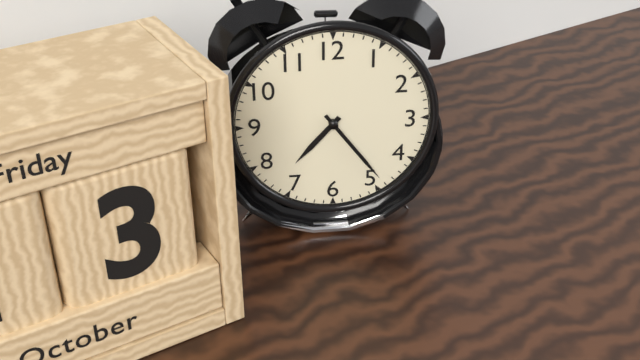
7:24
